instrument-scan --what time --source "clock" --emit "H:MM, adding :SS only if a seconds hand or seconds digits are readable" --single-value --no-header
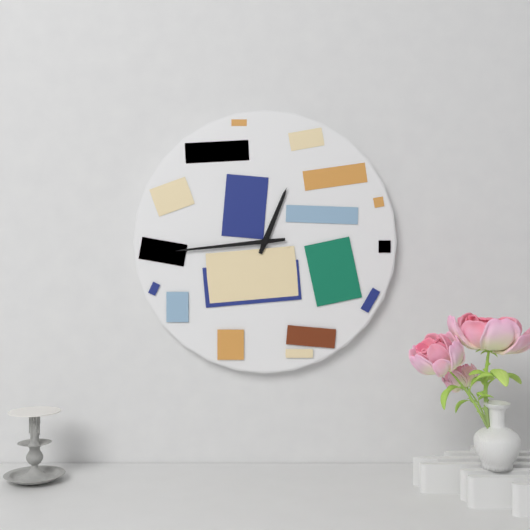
12:44
